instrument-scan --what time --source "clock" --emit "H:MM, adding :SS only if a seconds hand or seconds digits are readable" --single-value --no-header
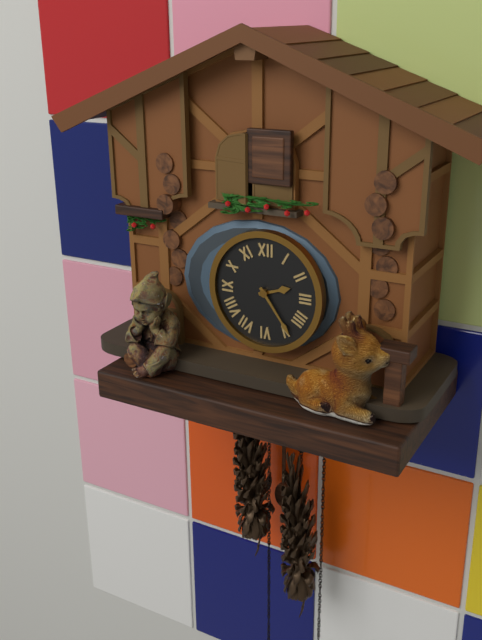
2:24
